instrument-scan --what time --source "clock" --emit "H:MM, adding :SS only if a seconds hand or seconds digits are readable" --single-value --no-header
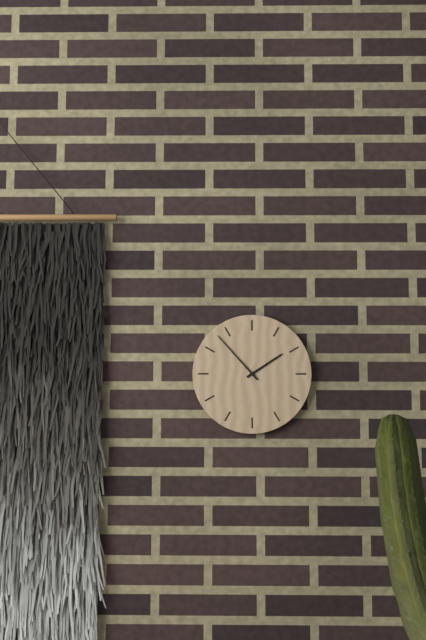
1:53
